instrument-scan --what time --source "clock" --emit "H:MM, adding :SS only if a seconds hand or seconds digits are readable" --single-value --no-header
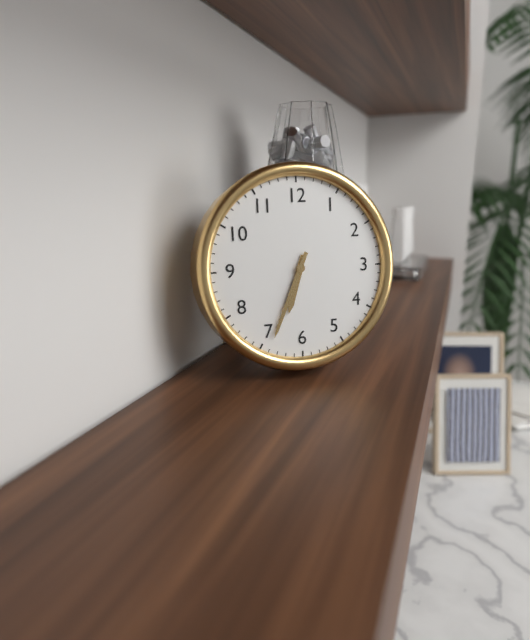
6:34
